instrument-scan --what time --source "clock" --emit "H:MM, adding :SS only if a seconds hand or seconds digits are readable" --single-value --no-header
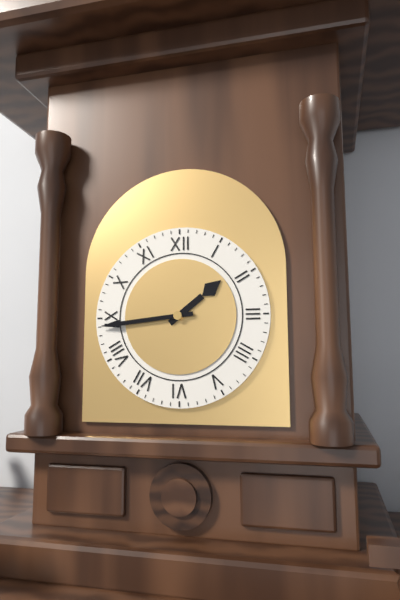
1:44
